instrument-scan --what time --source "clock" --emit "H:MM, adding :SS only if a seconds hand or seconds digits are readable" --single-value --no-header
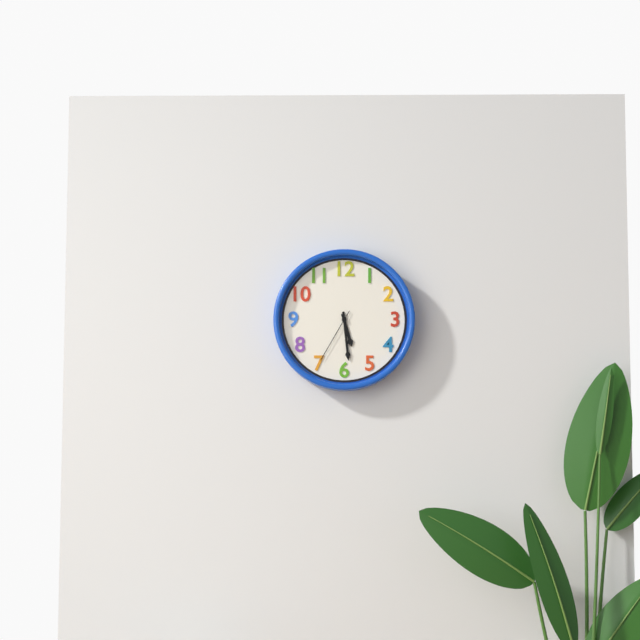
5:29:35
